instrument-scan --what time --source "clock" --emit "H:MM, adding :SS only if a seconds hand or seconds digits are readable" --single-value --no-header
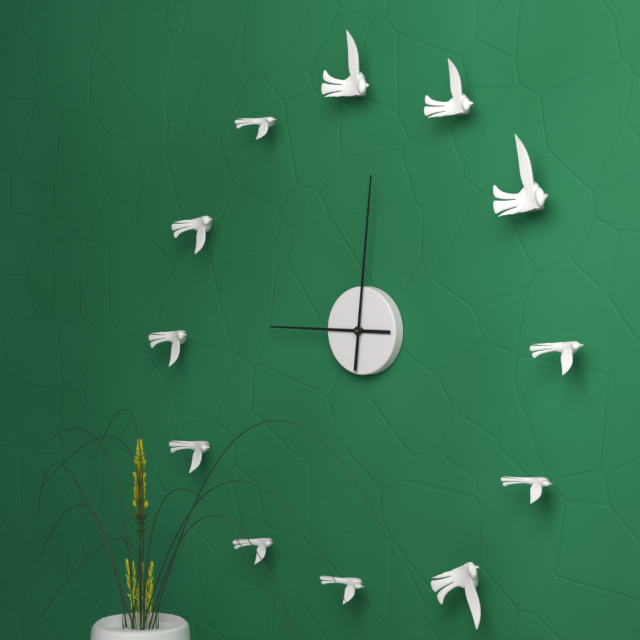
9:01
